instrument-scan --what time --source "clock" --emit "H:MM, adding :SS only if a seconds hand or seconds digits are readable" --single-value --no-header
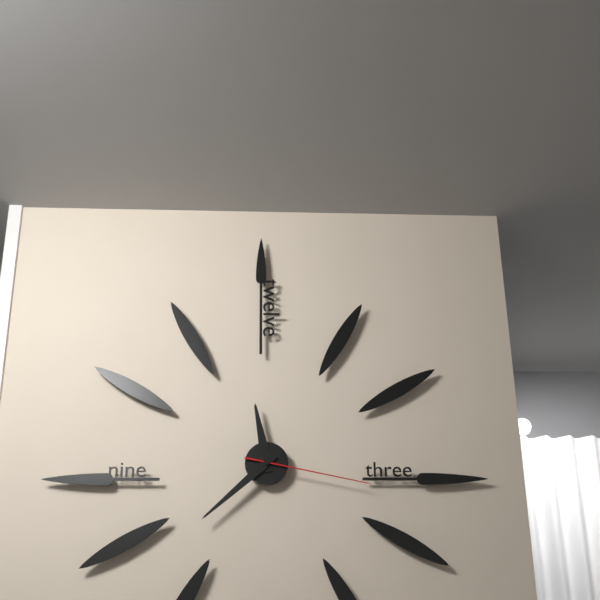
11:38:17
